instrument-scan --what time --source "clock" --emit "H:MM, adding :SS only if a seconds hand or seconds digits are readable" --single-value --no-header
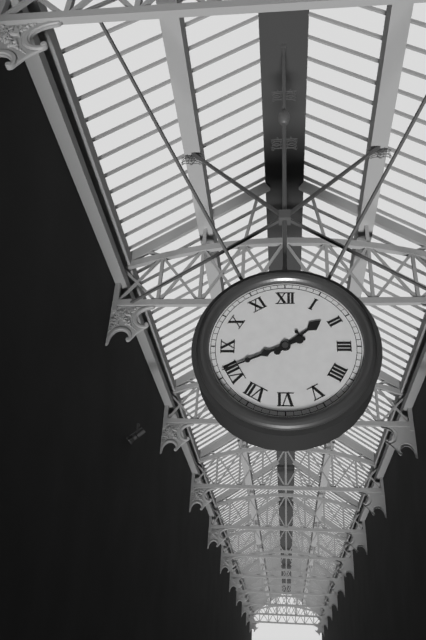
1:41
